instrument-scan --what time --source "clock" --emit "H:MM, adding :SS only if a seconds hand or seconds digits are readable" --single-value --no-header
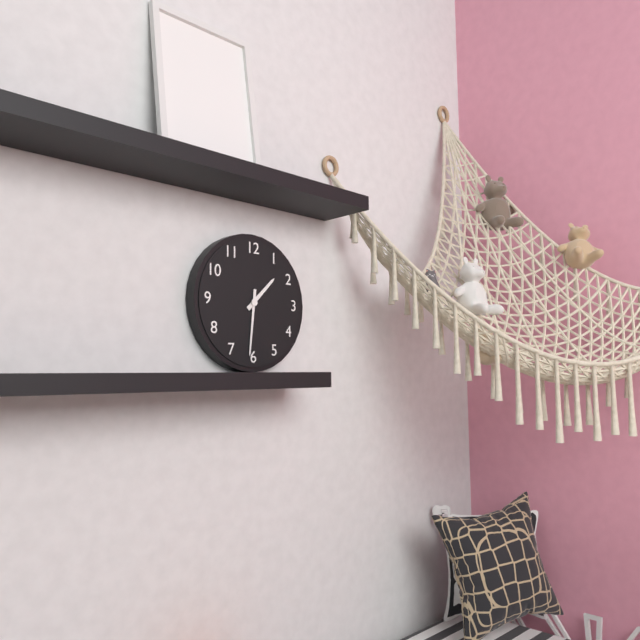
1:31
